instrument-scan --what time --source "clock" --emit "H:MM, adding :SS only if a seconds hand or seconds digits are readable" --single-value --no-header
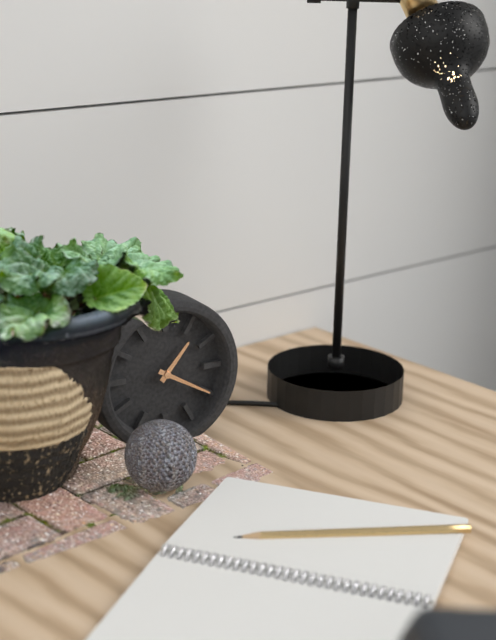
1:20
